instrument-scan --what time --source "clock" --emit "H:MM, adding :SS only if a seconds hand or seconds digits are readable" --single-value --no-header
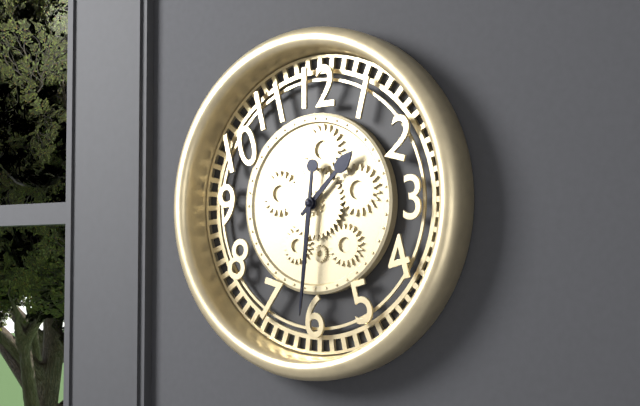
1:31
